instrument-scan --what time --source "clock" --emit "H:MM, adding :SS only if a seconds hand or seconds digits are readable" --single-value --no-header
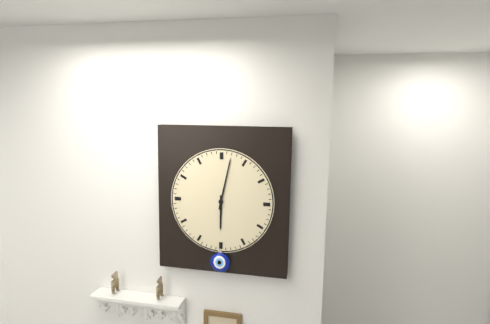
6:02
